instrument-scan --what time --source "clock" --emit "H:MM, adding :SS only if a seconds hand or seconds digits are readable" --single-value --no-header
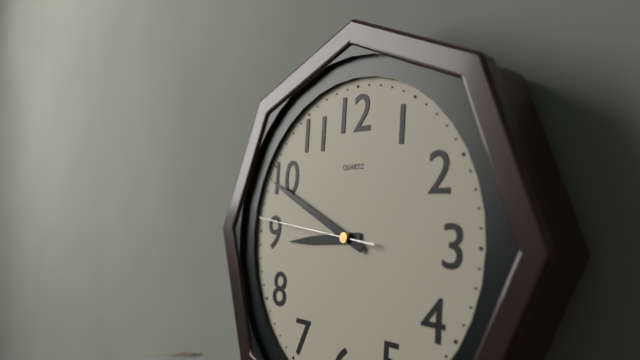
8:49:46
